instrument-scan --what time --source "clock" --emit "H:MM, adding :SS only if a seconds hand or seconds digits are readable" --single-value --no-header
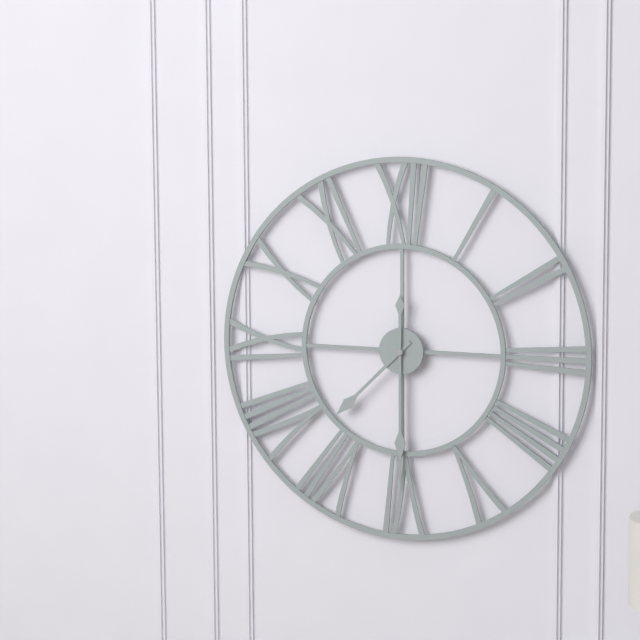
7:30
